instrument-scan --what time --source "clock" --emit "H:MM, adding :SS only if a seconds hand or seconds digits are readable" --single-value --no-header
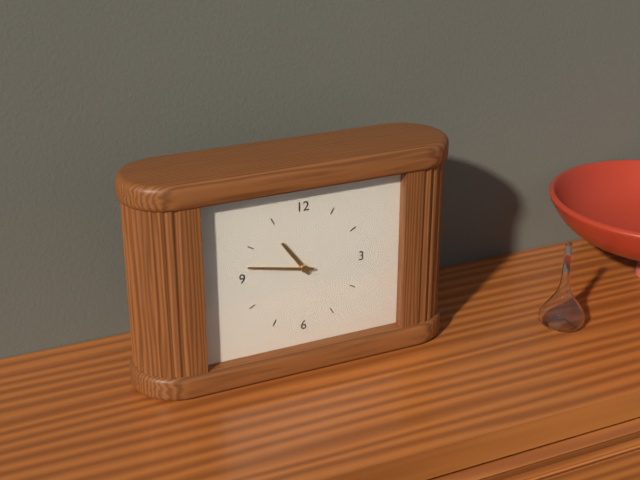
10:47
